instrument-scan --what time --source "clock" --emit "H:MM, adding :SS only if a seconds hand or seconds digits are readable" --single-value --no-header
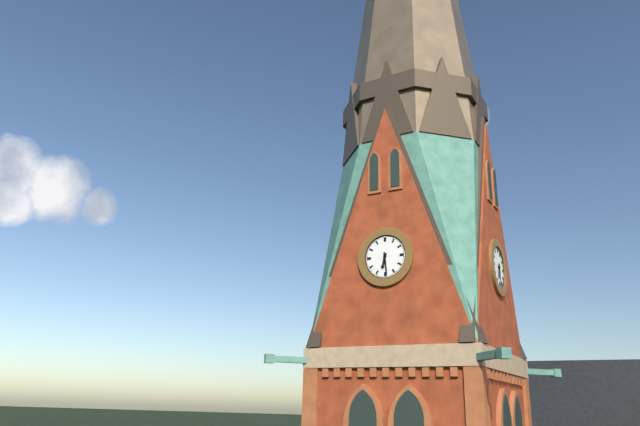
6:29
